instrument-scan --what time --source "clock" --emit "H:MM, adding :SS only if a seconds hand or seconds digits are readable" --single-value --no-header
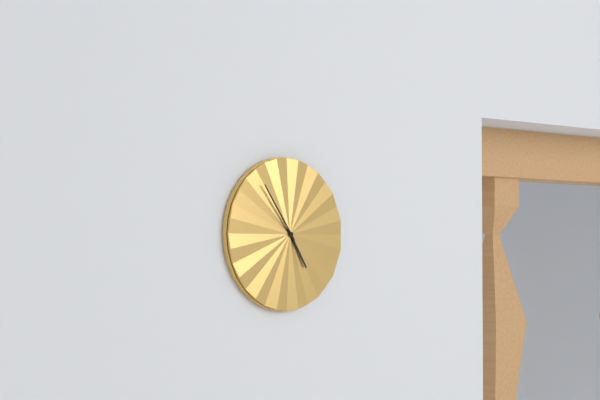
4:54
